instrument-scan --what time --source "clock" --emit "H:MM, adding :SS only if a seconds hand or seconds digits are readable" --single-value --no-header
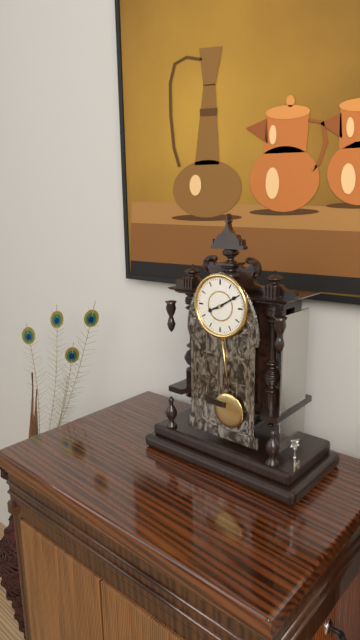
8:10
